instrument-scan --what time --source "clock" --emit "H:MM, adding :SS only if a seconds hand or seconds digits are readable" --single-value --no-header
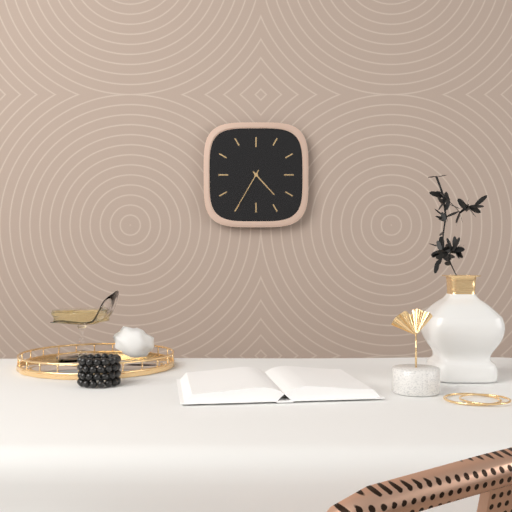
4:35
